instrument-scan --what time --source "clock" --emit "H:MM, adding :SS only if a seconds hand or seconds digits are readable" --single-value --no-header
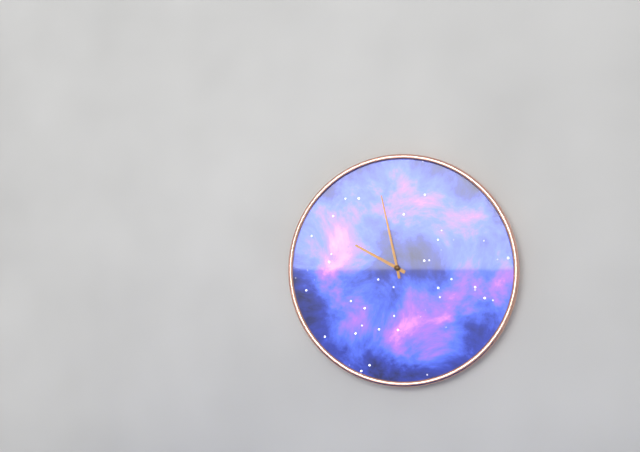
9:58
